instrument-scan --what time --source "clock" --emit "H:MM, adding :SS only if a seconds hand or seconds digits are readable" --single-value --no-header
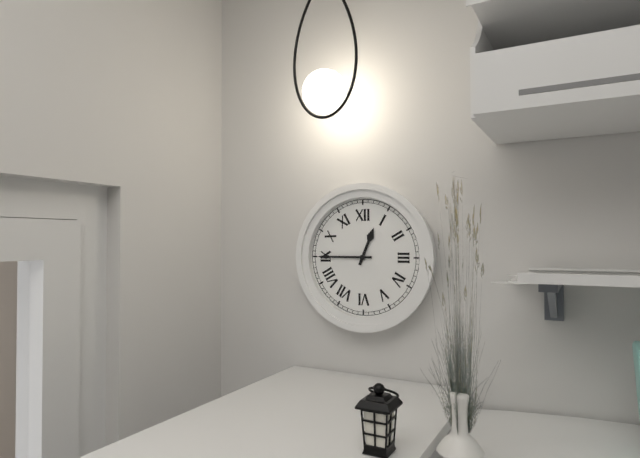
12:45
